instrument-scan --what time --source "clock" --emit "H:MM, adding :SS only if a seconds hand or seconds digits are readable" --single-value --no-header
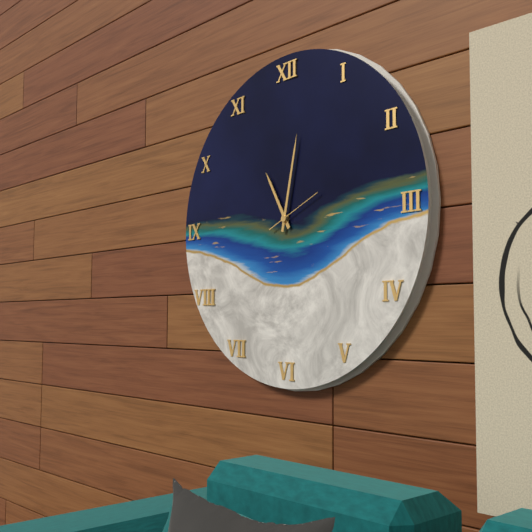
11:02:11
